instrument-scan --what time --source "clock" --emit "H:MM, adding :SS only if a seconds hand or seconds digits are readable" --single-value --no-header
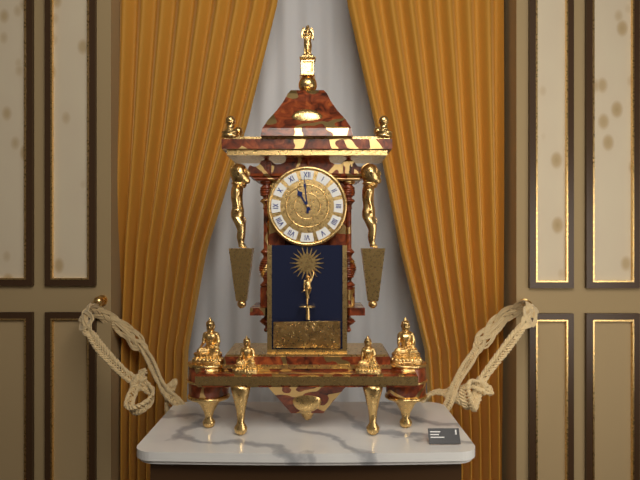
10:59
